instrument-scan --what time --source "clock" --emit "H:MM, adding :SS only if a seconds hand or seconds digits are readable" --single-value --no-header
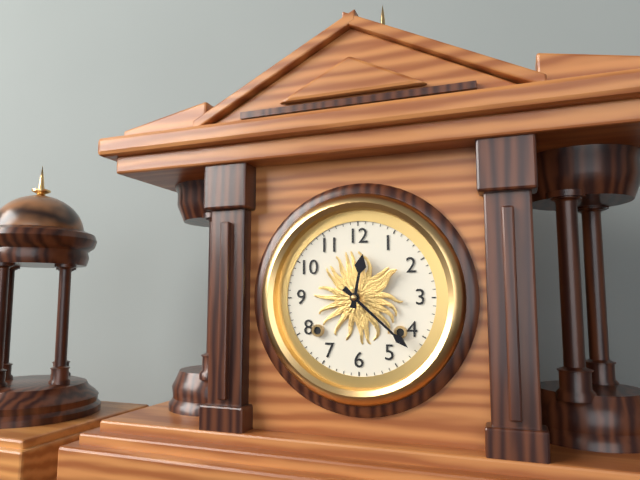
12:22
